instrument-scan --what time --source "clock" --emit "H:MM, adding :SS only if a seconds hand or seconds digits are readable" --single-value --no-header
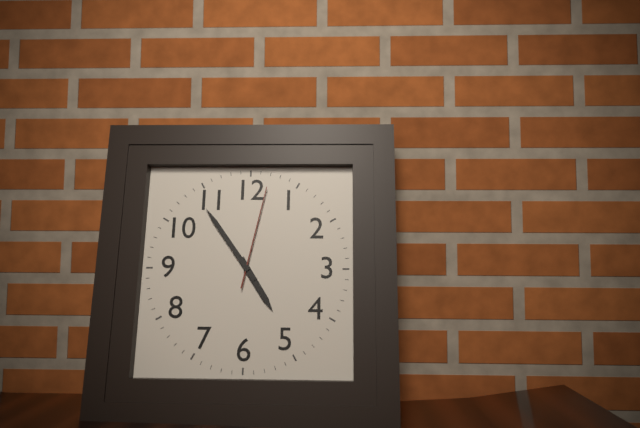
4:54:02
